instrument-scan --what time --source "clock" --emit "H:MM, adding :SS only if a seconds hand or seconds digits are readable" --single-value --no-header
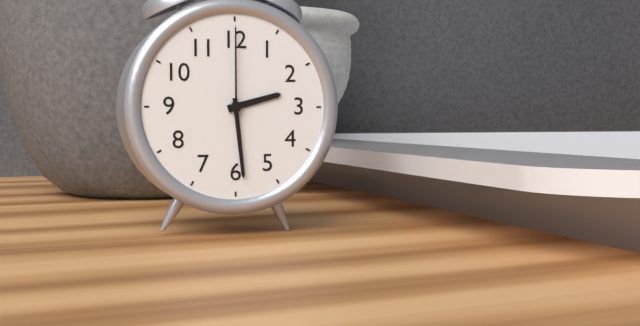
2:29:00
